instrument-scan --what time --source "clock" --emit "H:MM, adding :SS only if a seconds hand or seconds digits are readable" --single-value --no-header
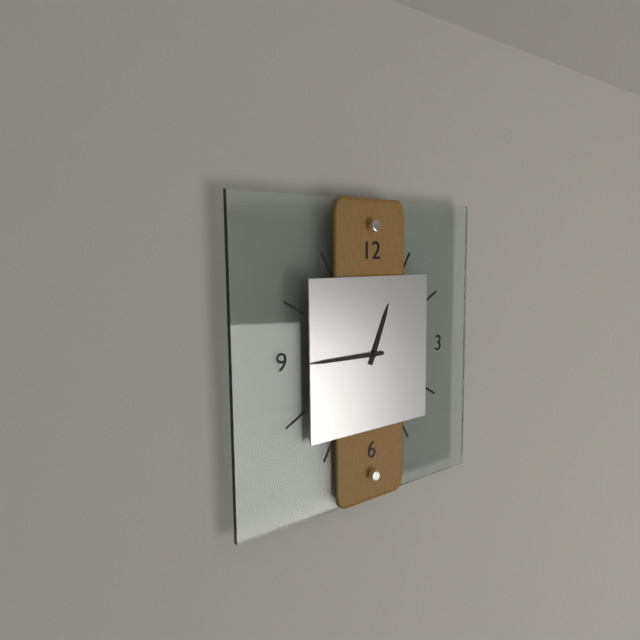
12:45
